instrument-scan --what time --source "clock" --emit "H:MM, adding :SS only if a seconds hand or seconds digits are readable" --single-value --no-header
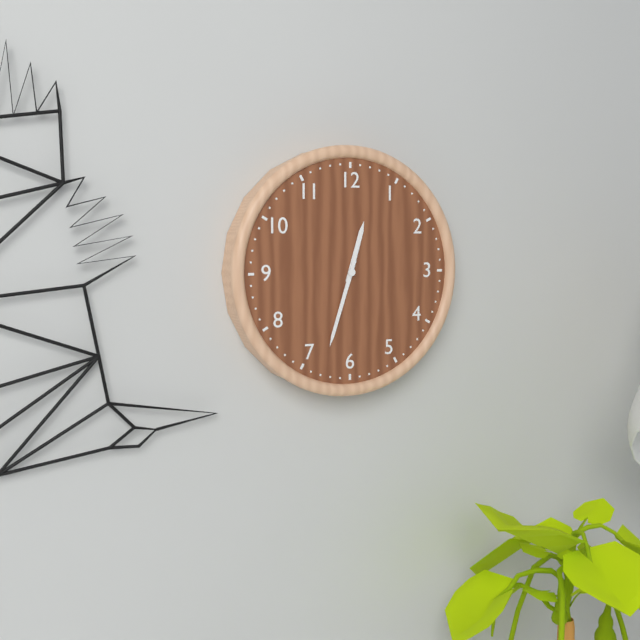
12:33
